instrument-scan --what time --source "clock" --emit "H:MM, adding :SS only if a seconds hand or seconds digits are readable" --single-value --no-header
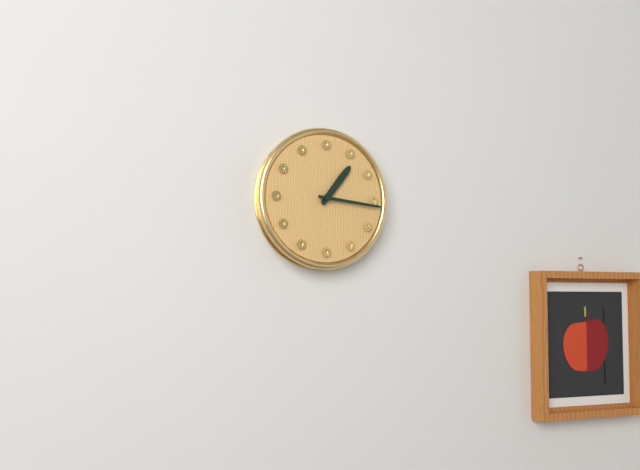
1:16
